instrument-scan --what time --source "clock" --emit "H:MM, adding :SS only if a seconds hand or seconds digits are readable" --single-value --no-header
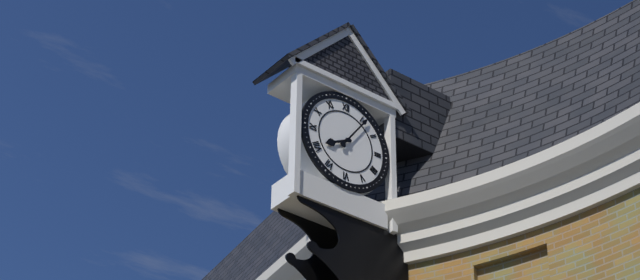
8:06
